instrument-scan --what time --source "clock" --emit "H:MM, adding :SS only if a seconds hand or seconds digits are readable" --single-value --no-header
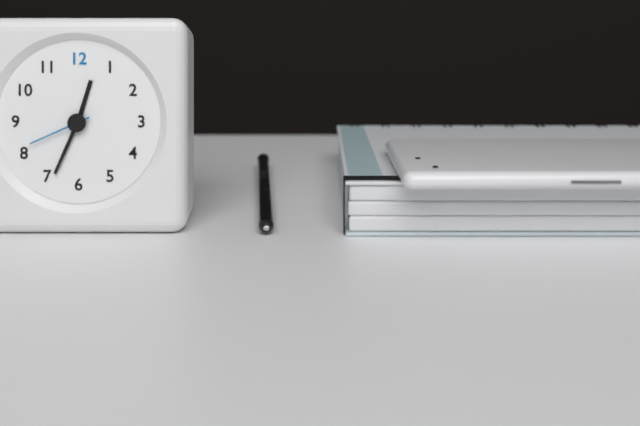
12:34:41
